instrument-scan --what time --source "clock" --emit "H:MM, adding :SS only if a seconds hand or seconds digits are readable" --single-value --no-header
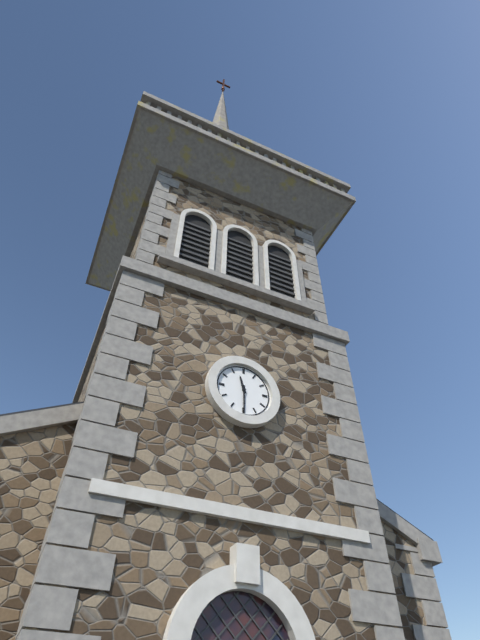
11:30
